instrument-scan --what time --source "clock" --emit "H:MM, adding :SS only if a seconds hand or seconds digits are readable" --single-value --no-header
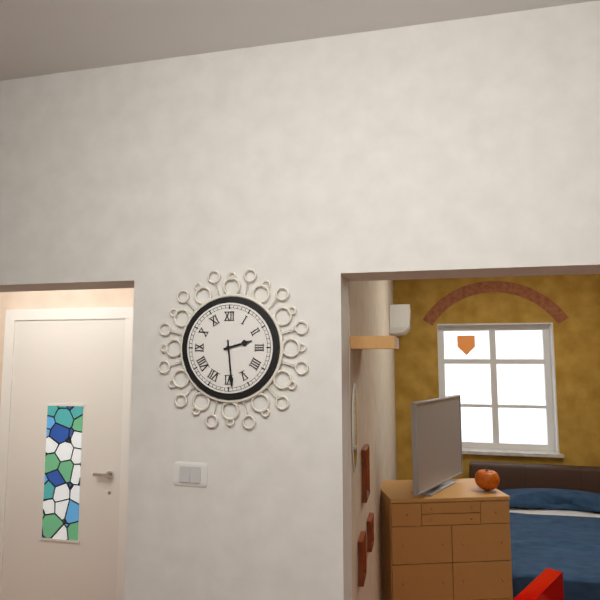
2:29
